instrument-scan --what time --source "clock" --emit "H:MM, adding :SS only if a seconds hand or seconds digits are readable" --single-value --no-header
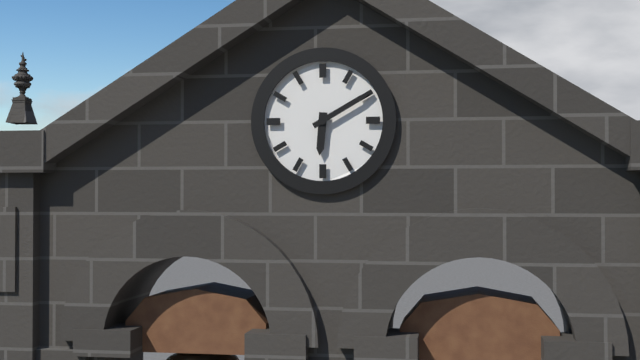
6:10
